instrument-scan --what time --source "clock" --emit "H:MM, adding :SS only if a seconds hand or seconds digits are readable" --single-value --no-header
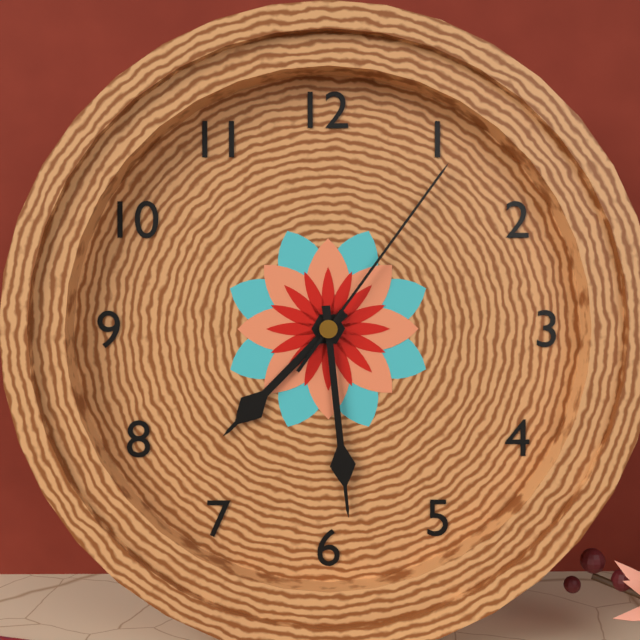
7:29:06
